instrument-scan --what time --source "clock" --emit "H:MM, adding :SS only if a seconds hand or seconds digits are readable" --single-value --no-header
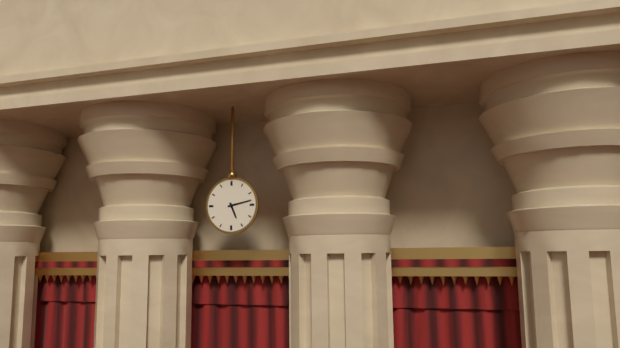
5:13
